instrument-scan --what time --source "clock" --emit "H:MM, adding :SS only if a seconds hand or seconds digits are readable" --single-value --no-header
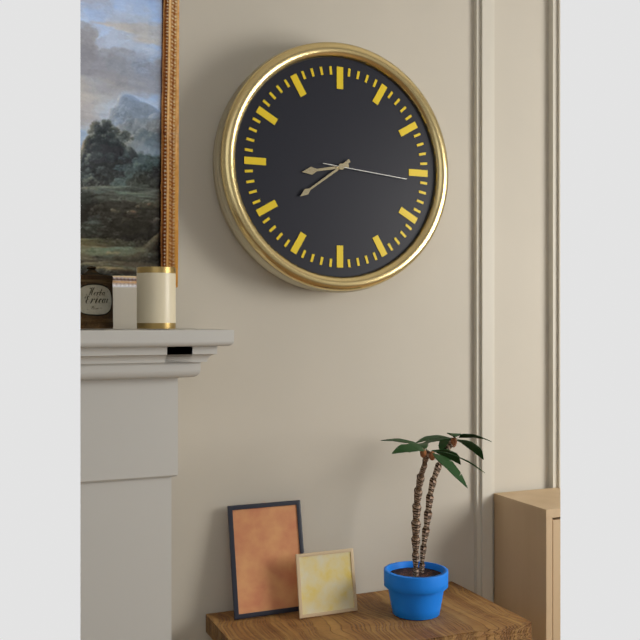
8:39:16
